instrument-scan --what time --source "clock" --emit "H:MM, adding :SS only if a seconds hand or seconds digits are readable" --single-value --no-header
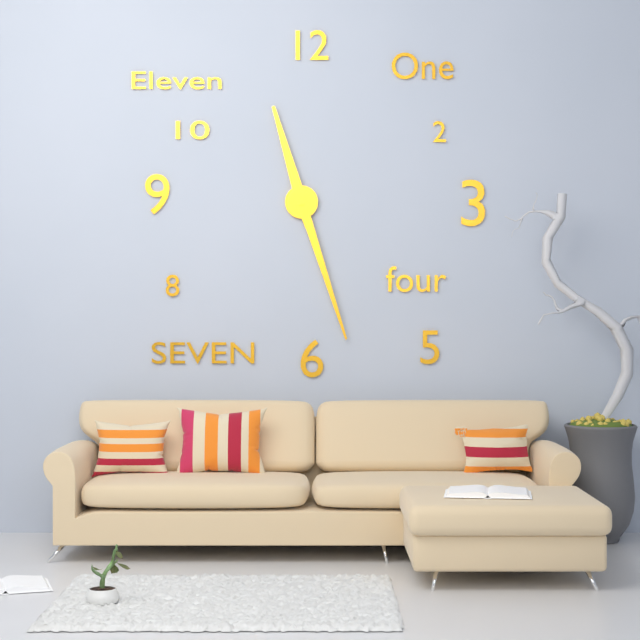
11:27
